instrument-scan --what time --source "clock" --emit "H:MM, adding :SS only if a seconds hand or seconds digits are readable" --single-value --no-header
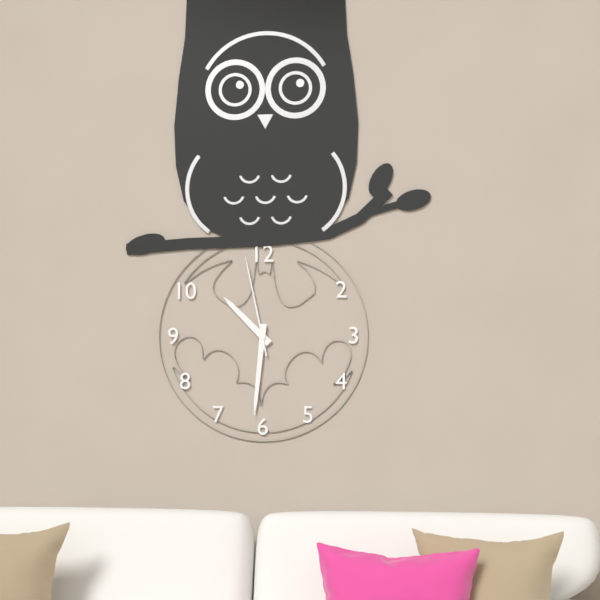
10:31:58
